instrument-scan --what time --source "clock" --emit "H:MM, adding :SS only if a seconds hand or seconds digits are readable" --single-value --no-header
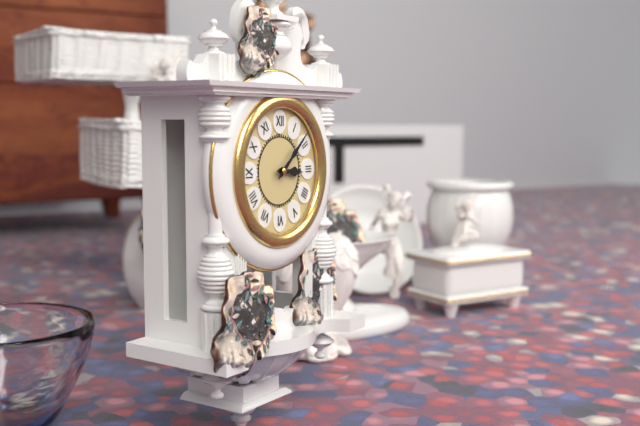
3:08
